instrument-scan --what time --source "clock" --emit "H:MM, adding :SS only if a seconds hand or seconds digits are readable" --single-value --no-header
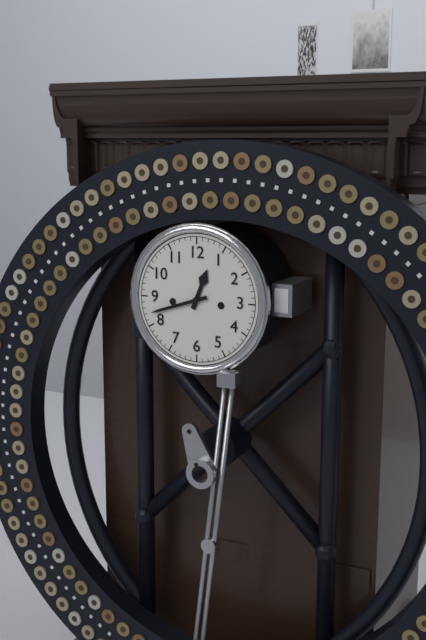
12:42
